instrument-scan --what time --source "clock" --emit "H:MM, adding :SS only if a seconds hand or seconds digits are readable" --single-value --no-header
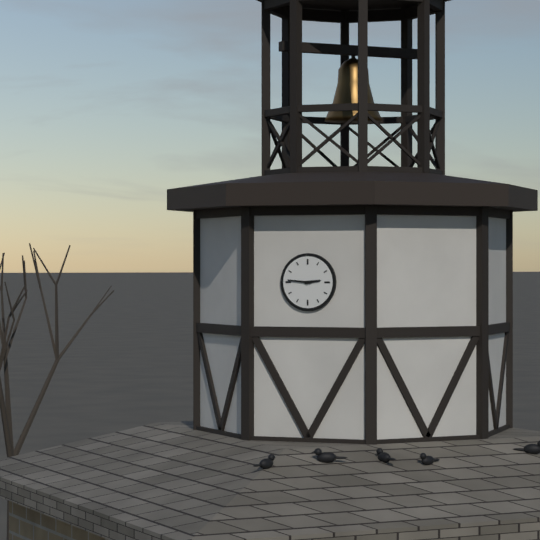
2:46
